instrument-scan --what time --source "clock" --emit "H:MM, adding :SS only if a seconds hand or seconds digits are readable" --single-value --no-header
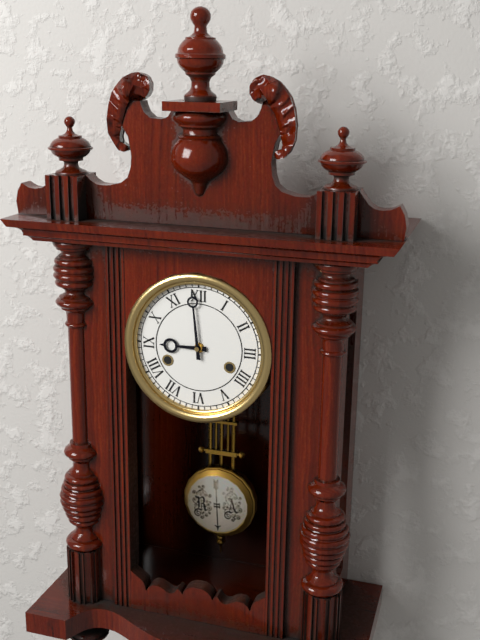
8:59
